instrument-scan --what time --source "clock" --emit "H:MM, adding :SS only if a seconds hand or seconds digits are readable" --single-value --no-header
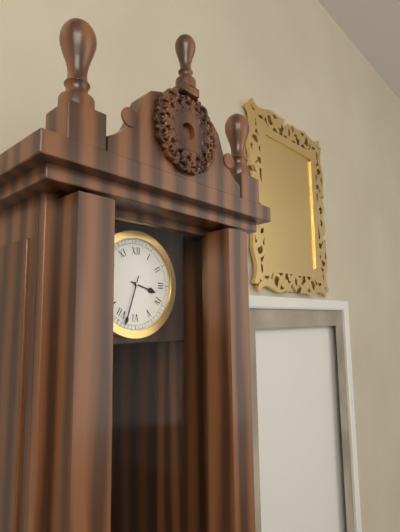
3:33
